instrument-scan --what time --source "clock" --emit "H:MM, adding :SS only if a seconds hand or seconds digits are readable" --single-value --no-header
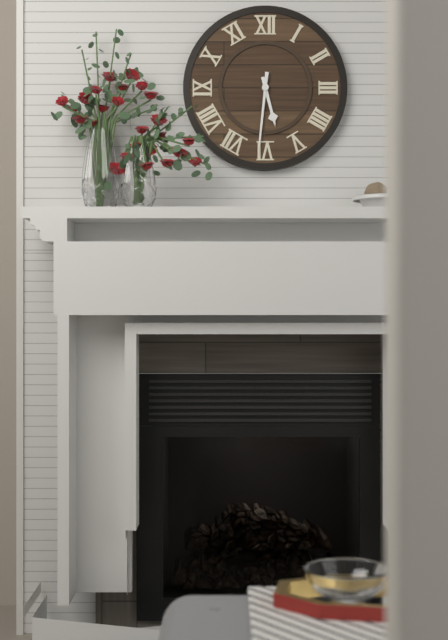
5:31
